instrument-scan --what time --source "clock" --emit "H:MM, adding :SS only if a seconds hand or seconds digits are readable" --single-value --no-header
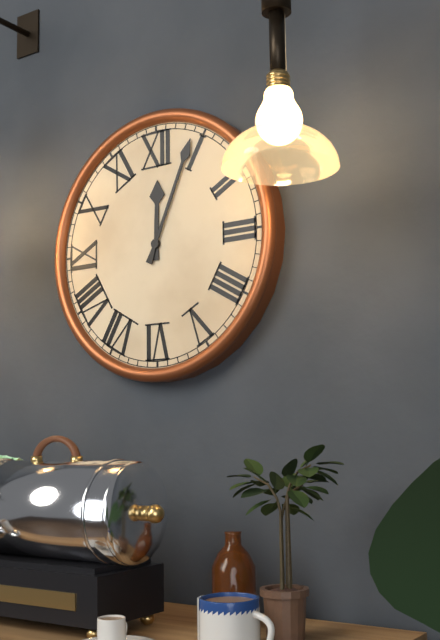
12:04
